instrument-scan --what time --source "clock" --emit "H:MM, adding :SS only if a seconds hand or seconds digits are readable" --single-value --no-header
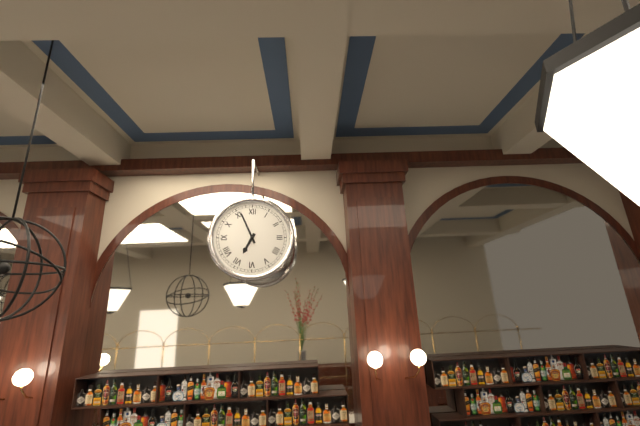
6:56
